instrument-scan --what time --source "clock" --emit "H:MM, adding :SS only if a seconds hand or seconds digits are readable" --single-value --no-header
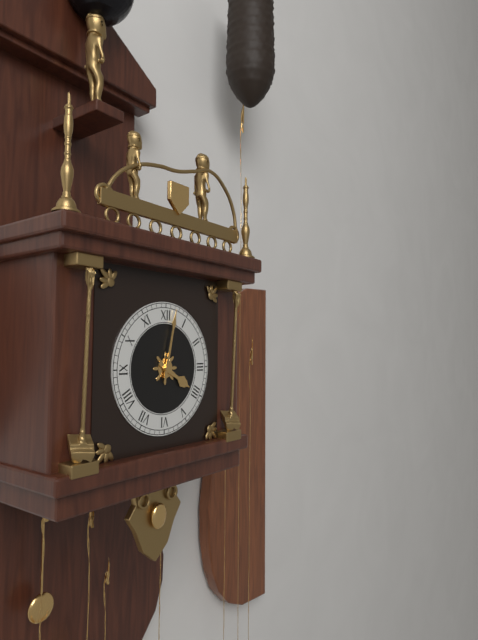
4:02
